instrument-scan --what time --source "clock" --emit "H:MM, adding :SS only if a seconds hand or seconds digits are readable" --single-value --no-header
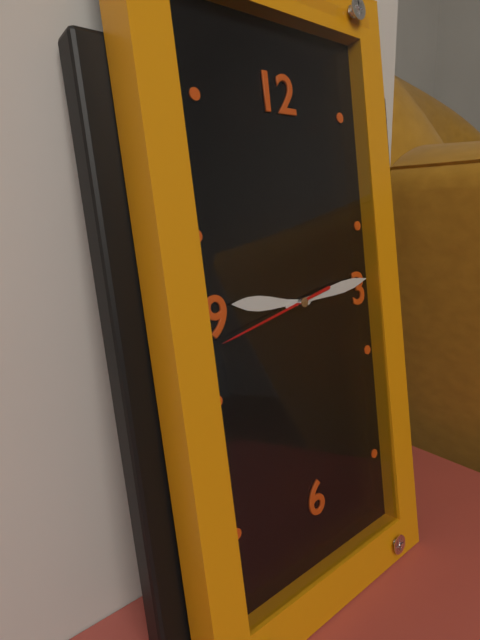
9:14:43
